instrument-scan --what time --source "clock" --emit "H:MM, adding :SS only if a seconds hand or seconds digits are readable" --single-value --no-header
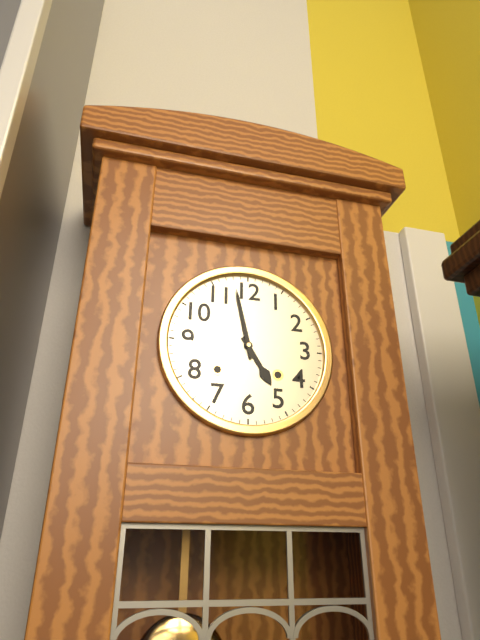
4:58
